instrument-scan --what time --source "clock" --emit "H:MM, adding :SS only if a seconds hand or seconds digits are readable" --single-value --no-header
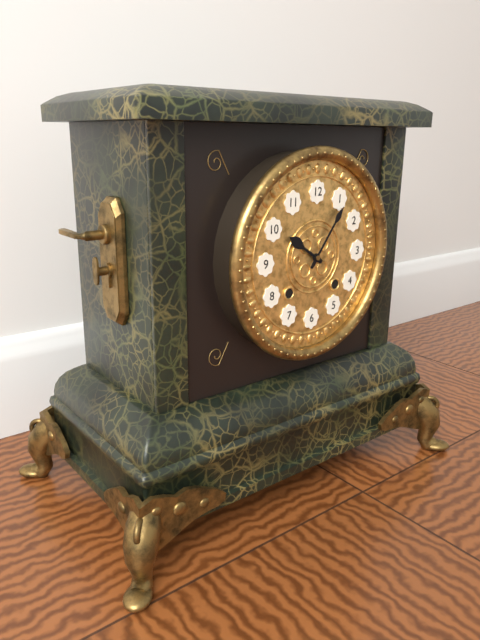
10:06
